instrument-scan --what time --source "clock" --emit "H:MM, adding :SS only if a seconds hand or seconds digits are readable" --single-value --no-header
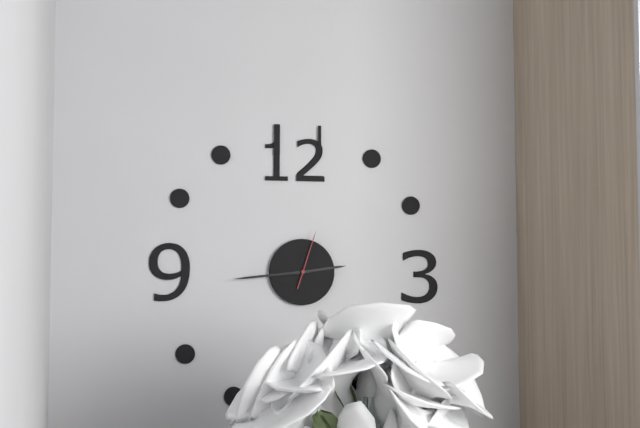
2:44:03
